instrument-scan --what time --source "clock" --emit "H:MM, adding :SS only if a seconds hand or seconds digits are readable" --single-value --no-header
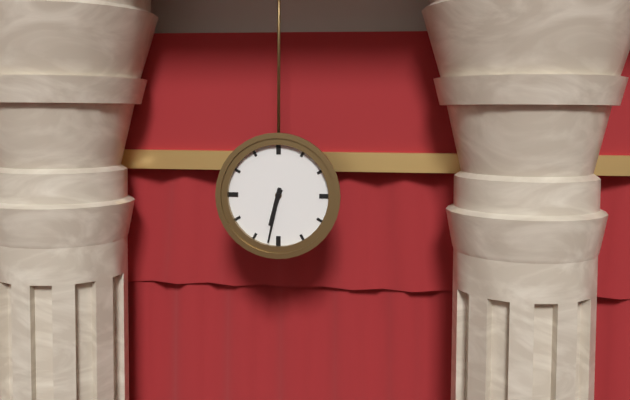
6:32
